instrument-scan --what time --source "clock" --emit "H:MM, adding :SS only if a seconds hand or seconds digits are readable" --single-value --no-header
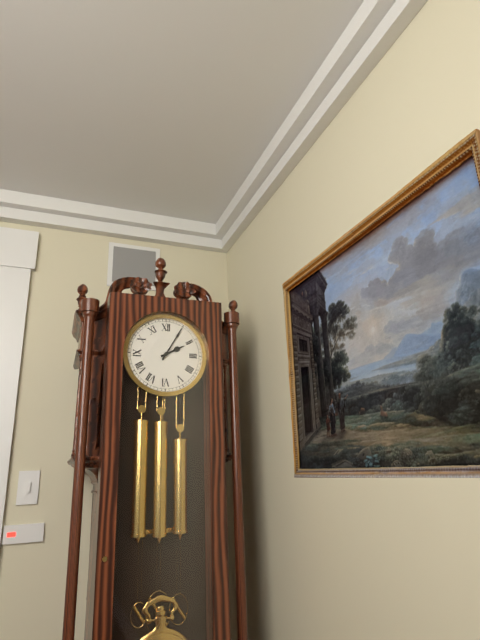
2:05
